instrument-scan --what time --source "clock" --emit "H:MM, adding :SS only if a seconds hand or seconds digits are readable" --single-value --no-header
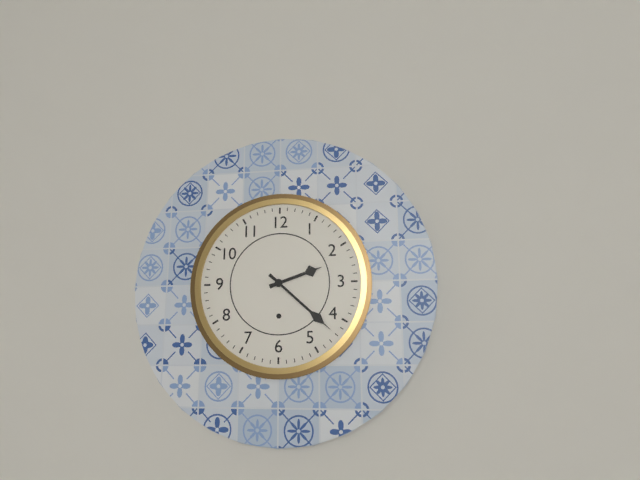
2:22
